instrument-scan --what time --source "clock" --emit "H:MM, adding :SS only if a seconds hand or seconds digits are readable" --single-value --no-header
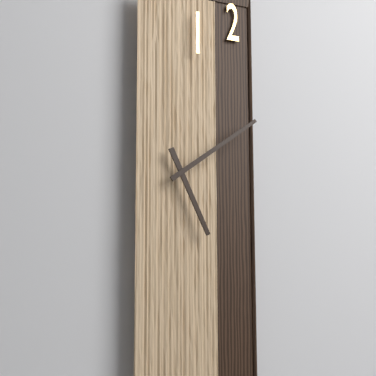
5:09
